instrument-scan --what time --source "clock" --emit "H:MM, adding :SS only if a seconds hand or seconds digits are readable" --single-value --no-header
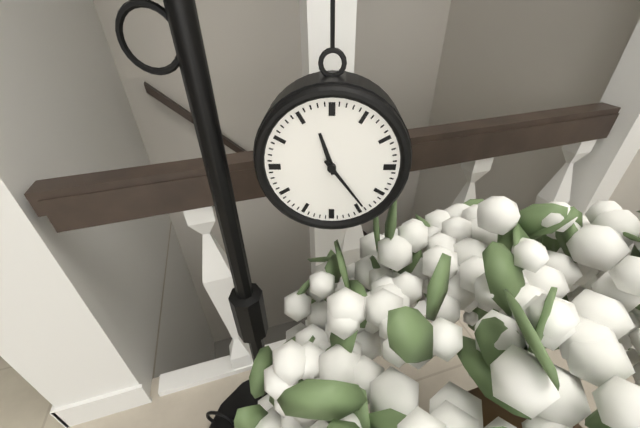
11:24
